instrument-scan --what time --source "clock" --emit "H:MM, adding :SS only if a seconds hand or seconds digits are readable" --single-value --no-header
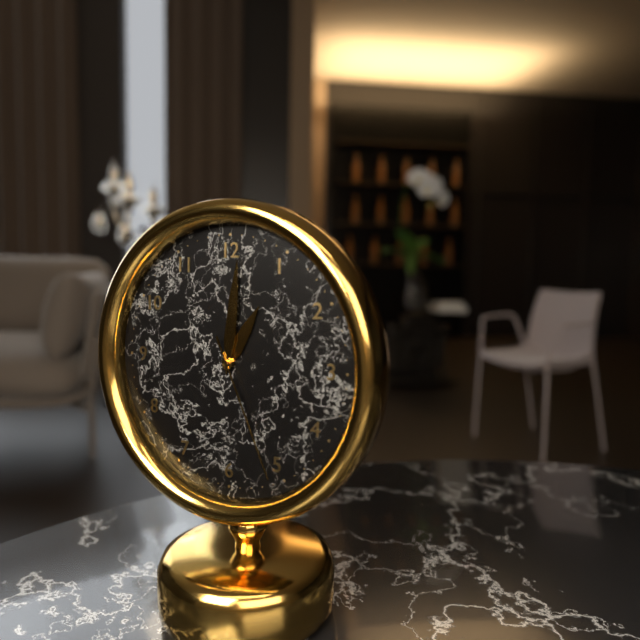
1:01:26
